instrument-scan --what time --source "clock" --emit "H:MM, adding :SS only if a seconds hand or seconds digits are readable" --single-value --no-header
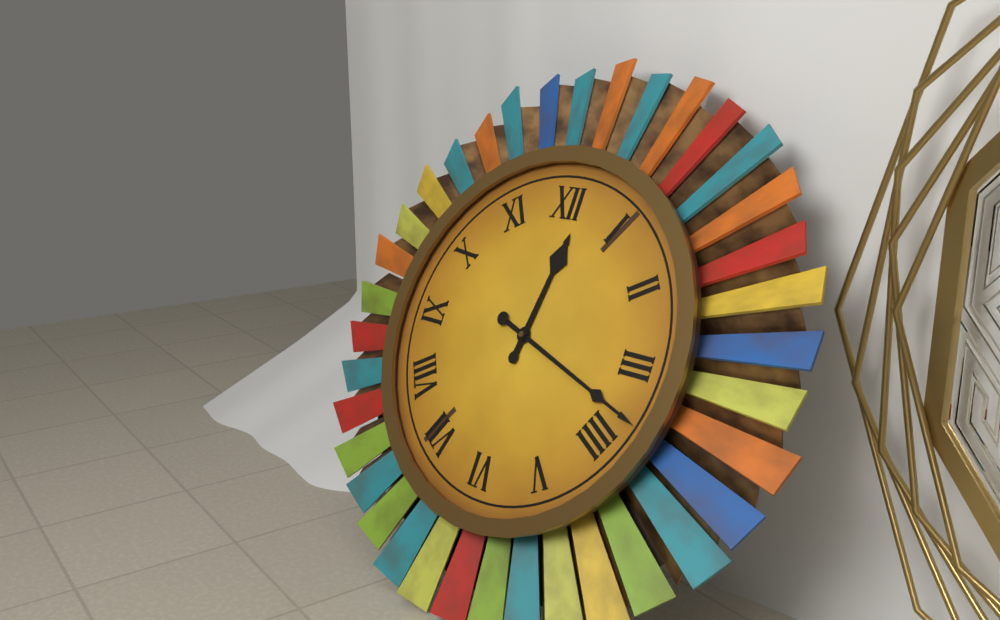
12:18
